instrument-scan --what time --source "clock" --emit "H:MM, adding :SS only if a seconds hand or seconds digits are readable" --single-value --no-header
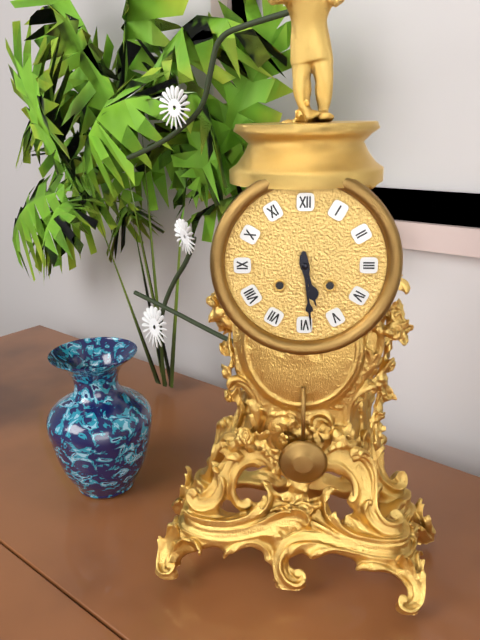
5:29
